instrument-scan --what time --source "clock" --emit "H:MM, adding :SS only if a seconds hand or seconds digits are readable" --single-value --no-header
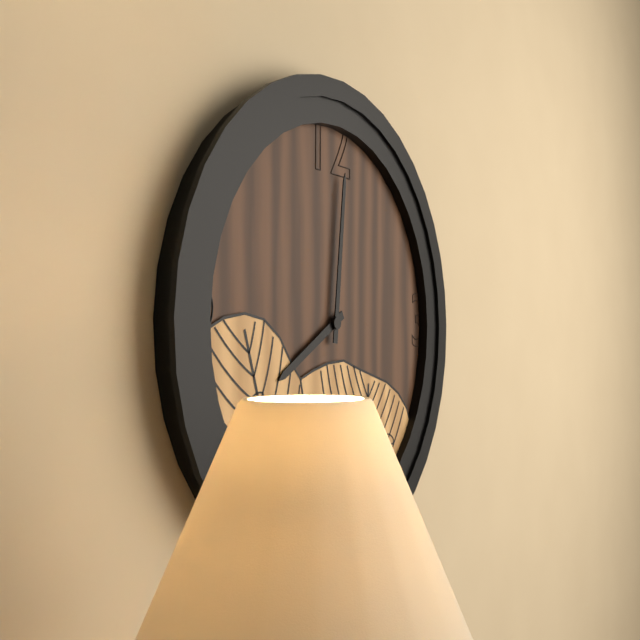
8:01
